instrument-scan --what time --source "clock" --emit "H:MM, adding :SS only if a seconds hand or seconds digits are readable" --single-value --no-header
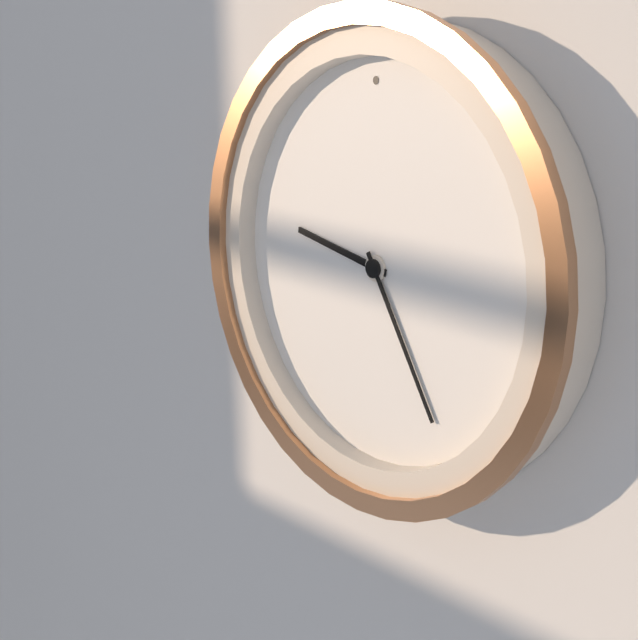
9:25
